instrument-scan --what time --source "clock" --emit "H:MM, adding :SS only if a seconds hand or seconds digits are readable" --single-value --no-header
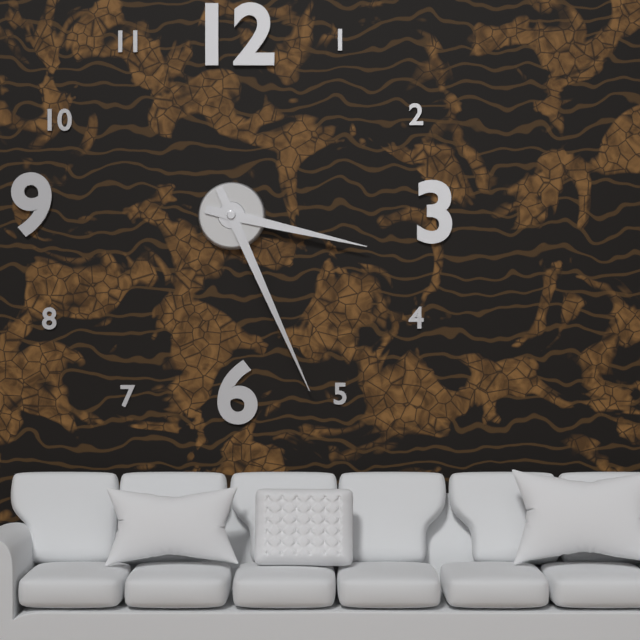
3:26
